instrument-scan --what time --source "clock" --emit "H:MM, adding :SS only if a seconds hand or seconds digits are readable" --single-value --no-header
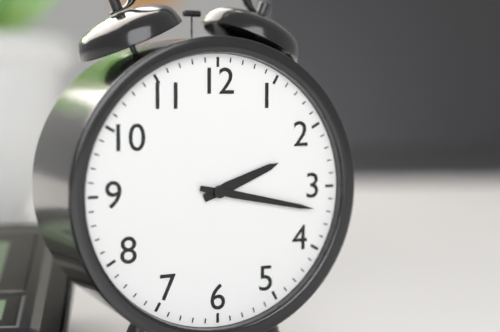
2:17
